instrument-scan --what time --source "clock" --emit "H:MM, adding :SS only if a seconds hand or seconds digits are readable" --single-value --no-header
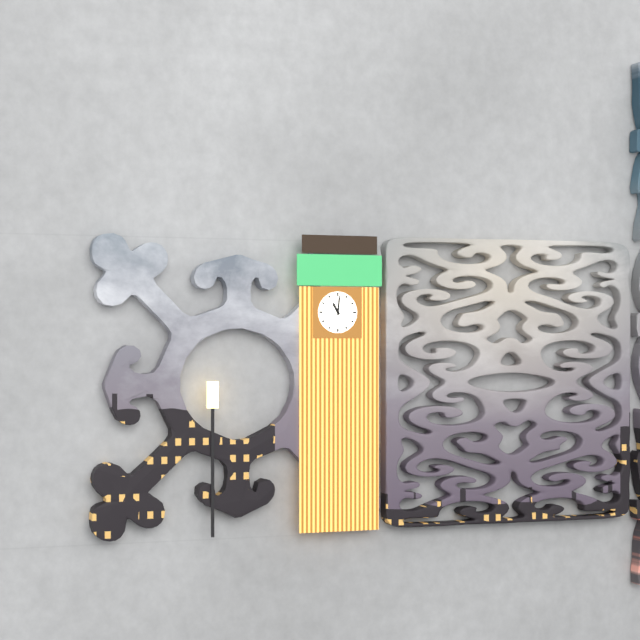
11:01
